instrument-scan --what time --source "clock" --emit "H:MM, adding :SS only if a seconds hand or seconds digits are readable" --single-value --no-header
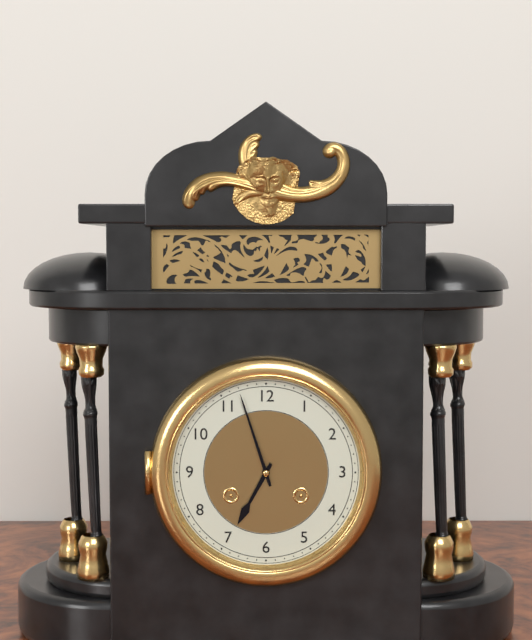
6:57
